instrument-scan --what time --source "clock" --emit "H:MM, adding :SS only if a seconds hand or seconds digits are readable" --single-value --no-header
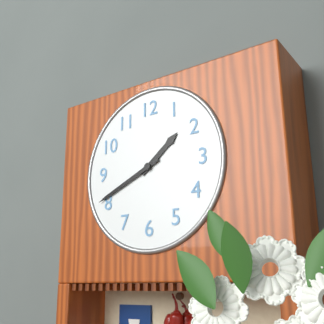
1:41
